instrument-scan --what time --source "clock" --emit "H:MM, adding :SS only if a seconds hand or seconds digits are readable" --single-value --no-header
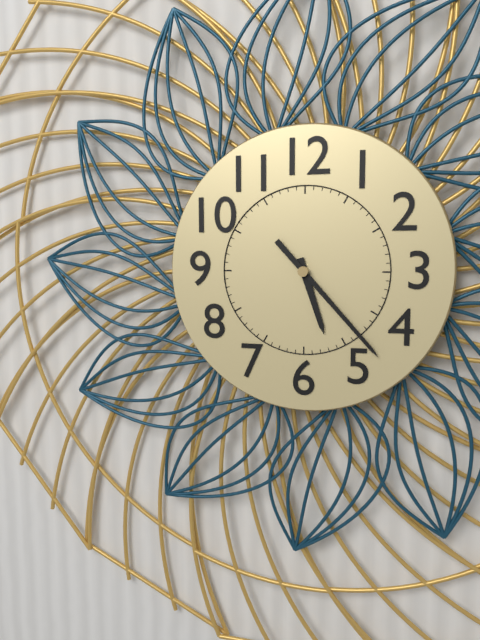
5:23
